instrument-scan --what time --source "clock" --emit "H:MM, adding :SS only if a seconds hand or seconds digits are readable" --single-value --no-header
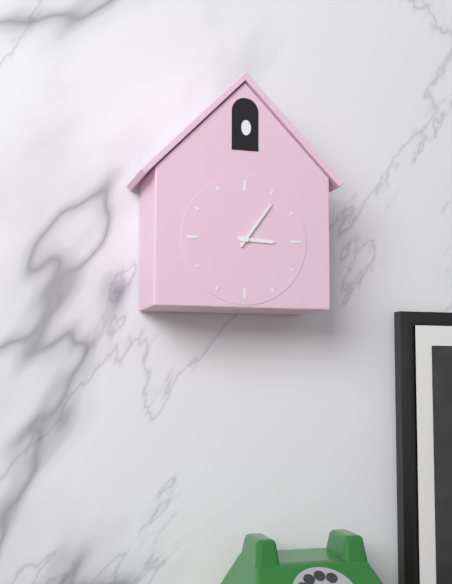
3:06
